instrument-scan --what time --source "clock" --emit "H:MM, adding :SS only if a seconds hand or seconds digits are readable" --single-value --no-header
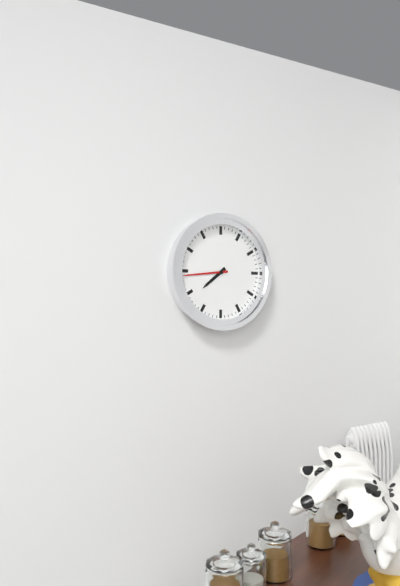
7:44
